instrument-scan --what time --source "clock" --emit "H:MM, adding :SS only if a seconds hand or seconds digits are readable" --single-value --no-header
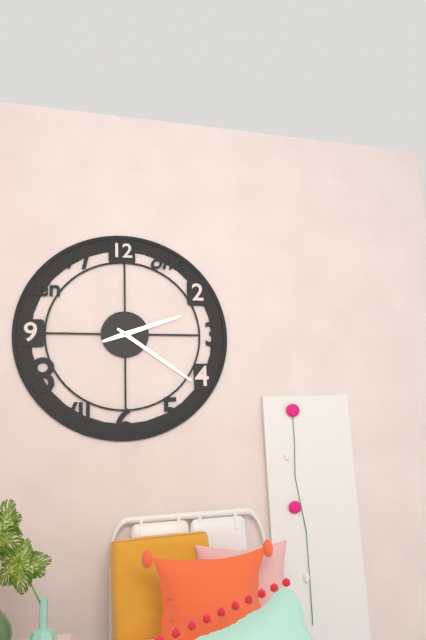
2:21
